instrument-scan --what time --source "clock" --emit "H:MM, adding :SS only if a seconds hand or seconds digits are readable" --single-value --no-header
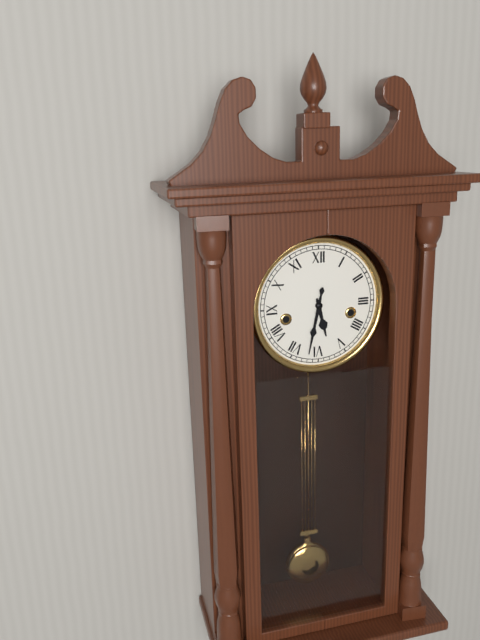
5:32
